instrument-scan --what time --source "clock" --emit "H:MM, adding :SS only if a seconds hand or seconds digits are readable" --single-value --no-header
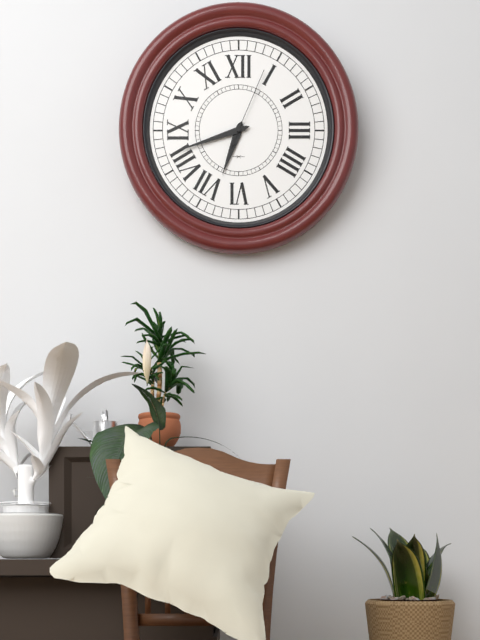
6:42:04
